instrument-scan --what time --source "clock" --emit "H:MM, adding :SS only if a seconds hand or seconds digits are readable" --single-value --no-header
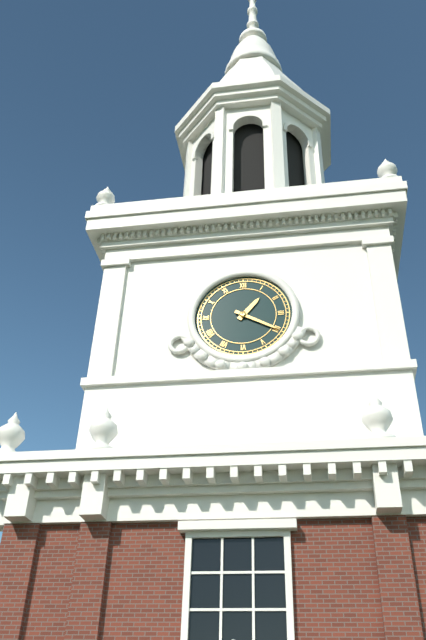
1:20
